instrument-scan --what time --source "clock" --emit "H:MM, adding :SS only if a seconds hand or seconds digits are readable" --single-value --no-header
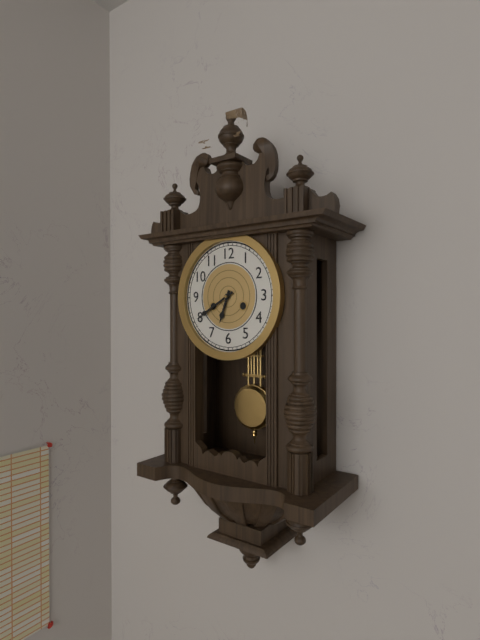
6:40
